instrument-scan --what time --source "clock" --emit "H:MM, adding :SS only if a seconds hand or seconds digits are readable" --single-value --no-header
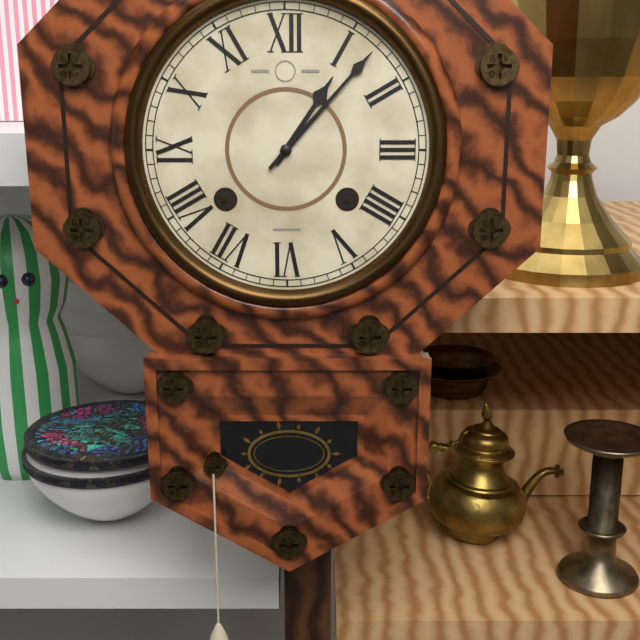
1:07
